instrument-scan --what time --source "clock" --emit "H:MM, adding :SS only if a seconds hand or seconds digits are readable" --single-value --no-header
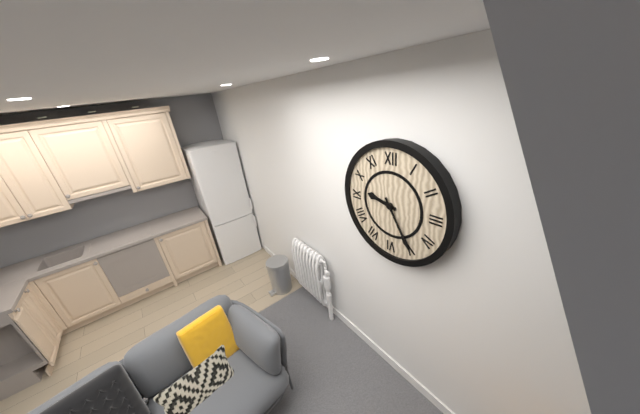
9:25
